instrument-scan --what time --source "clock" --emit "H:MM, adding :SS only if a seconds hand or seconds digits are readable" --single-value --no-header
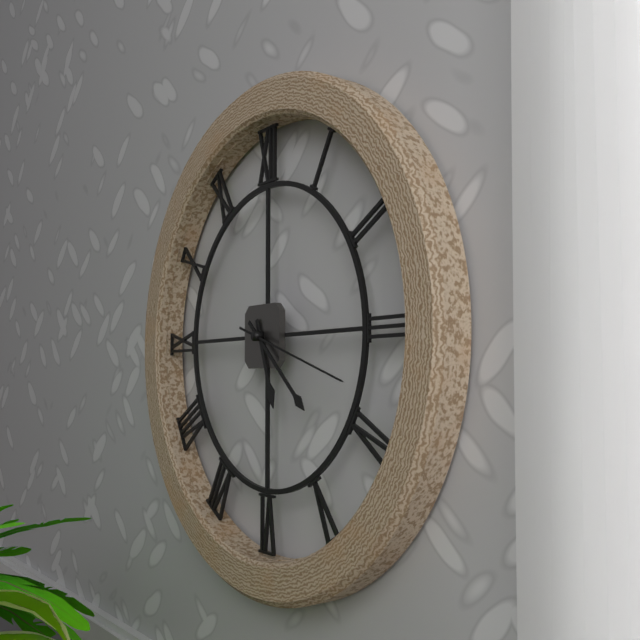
5:22:18
